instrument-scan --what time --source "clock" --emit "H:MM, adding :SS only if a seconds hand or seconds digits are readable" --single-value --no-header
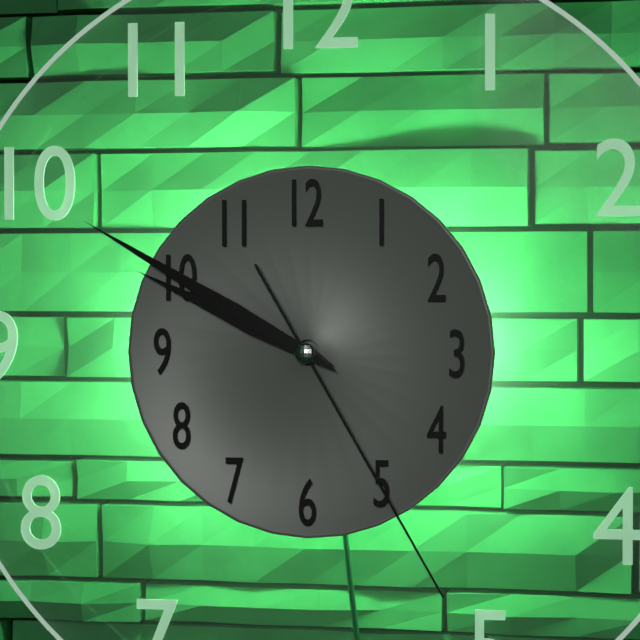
9:50:25
